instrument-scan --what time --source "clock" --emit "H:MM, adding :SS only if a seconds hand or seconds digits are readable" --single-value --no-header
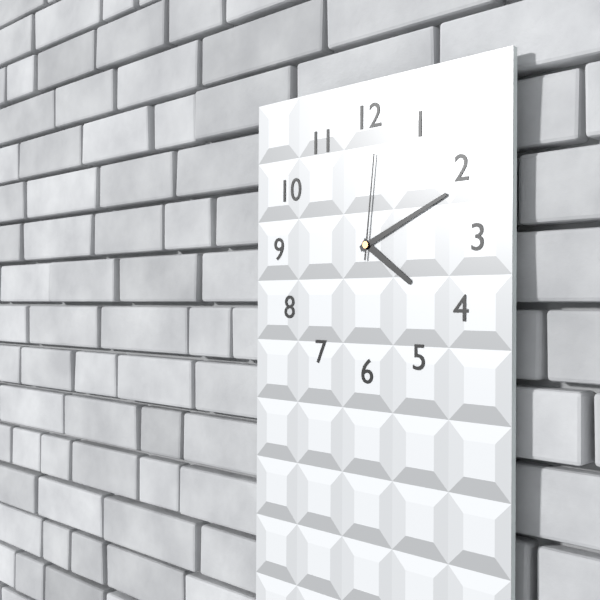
4:11:01
